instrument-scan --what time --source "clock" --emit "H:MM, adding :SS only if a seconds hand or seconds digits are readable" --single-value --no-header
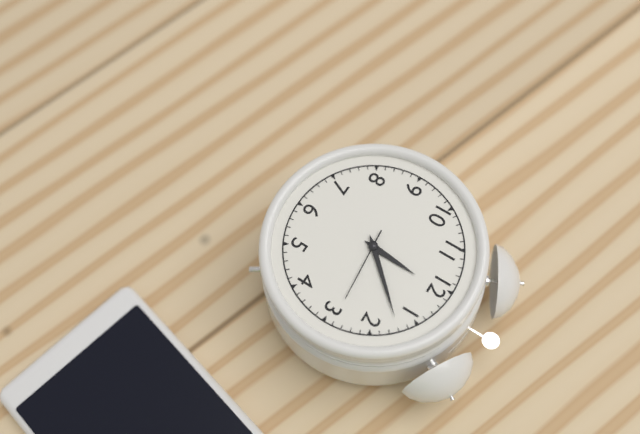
12:07:14
